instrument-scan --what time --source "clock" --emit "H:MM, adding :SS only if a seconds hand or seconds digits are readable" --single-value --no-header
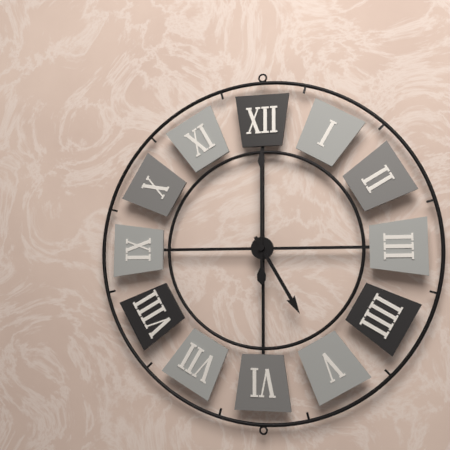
5:00
